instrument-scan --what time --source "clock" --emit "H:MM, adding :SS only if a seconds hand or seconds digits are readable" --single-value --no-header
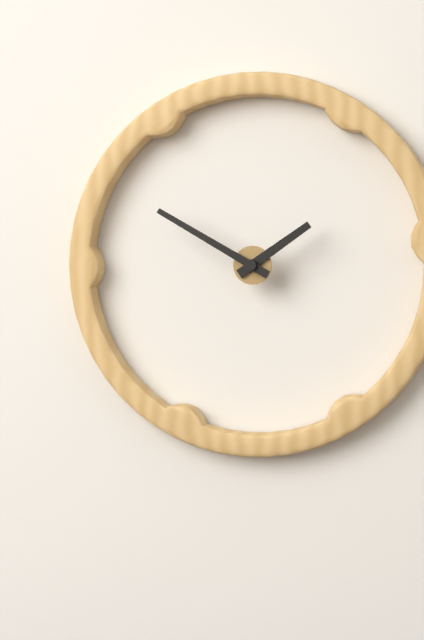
1:50
